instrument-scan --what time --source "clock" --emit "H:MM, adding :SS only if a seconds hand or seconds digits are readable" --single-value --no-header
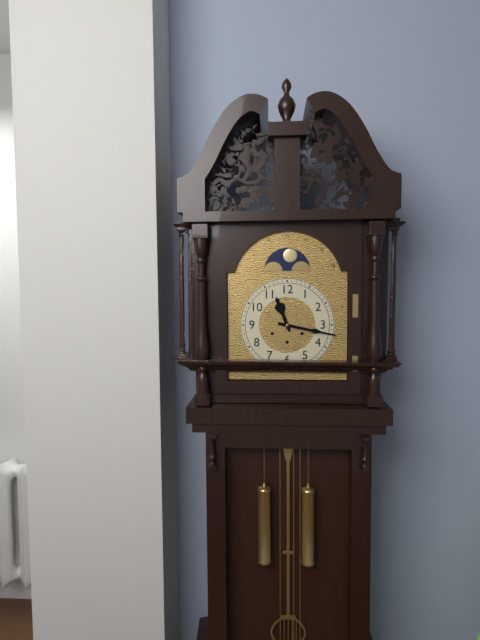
11:17
